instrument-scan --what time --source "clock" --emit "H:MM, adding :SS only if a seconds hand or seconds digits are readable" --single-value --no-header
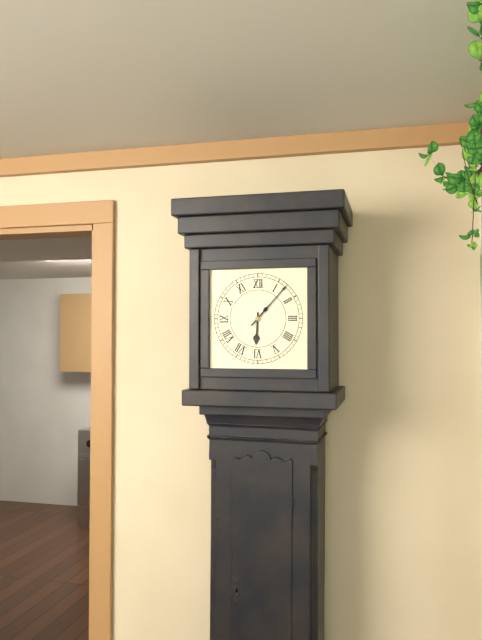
6:07
